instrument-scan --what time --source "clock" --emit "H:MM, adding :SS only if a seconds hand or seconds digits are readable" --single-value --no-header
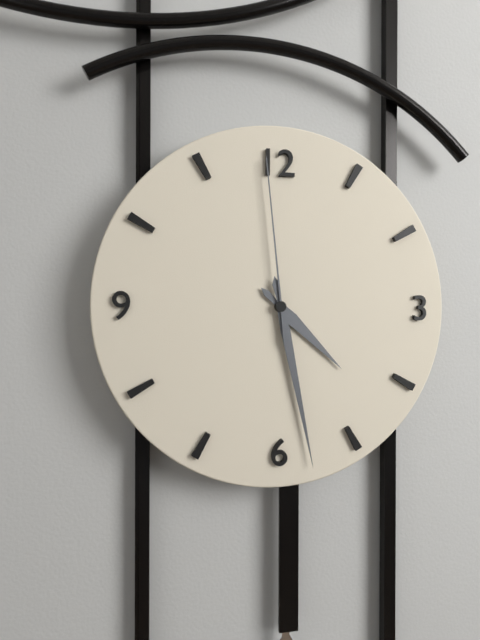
4:28:59
